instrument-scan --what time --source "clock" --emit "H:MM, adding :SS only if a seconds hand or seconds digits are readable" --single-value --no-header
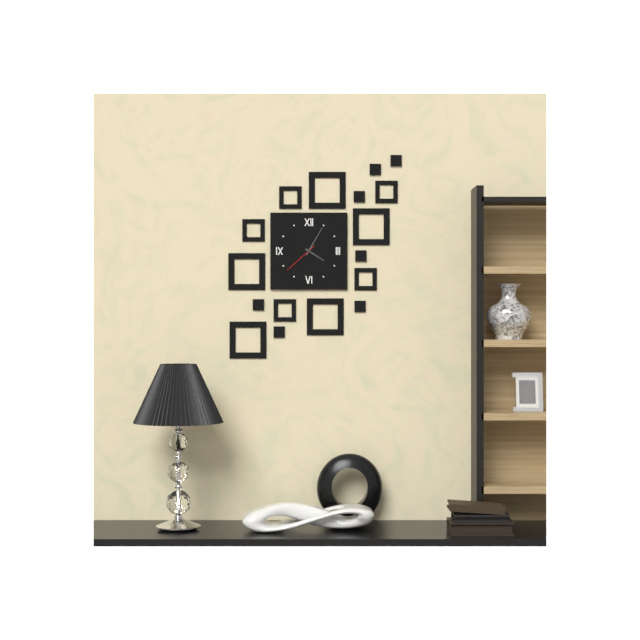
4:05
